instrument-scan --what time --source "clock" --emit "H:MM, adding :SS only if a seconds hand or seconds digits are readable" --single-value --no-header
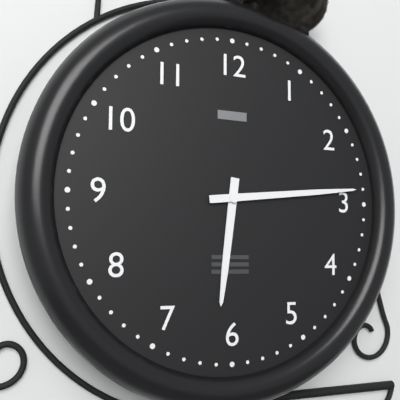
6:14
